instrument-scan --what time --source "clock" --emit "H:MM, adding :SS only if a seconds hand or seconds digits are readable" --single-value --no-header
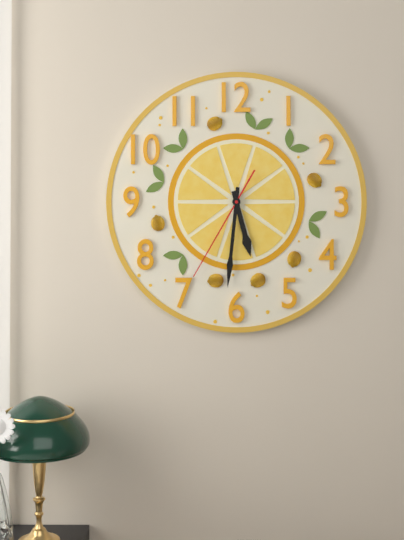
5:31:35
